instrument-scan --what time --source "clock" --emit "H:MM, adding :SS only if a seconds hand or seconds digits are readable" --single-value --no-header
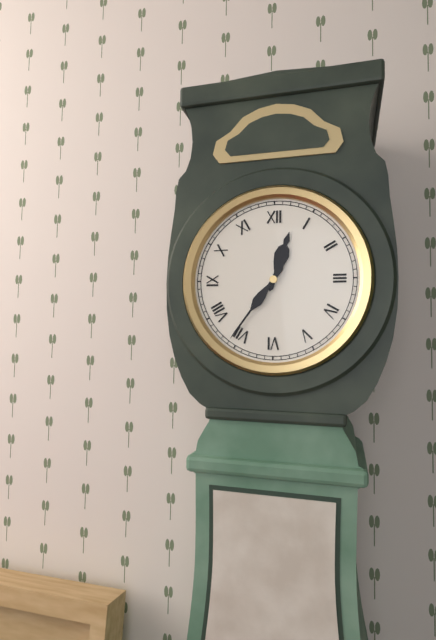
12:36
